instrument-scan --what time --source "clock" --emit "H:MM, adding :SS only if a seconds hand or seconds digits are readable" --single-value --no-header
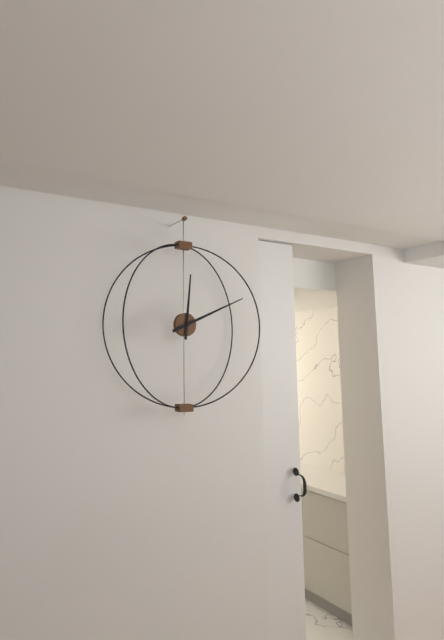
12:11
